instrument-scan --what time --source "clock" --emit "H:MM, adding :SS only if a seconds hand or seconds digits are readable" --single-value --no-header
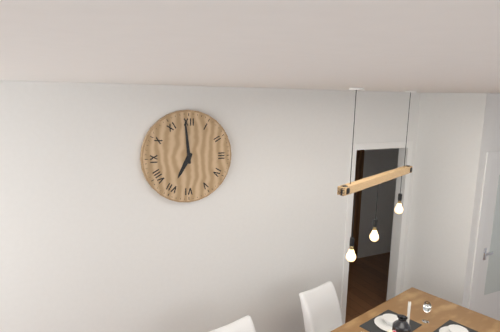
6:59
